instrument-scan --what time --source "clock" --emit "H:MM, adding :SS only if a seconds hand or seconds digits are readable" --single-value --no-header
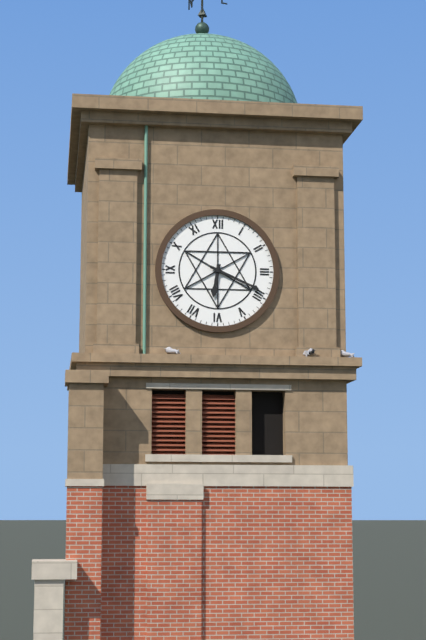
6:19
